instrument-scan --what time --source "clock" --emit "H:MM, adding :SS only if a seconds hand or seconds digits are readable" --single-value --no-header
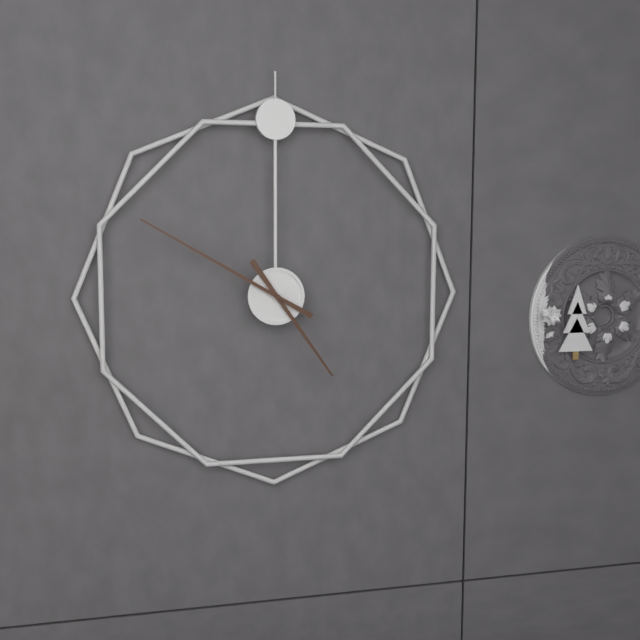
4:50
